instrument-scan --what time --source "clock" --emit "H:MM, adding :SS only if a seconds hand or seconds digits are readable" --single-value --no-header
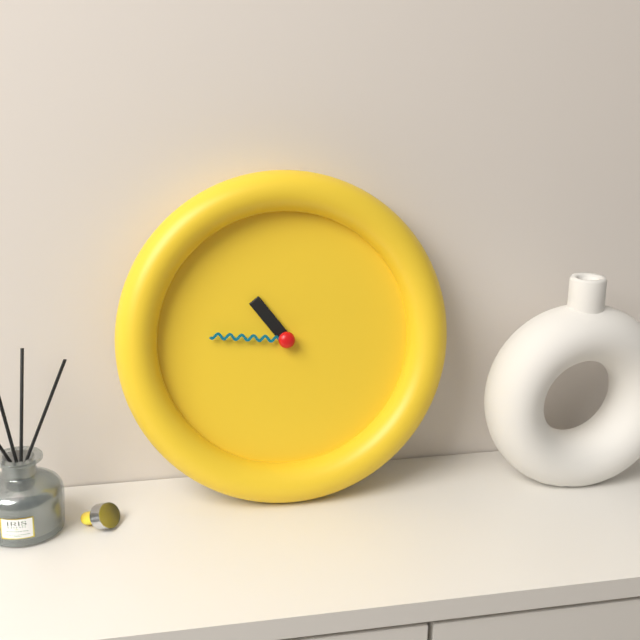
10:46
